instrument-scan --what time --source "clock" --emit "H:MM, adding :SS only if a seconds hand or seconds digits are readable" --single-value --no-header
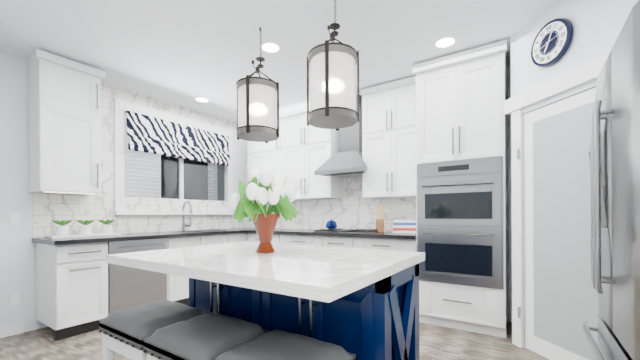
7:04
